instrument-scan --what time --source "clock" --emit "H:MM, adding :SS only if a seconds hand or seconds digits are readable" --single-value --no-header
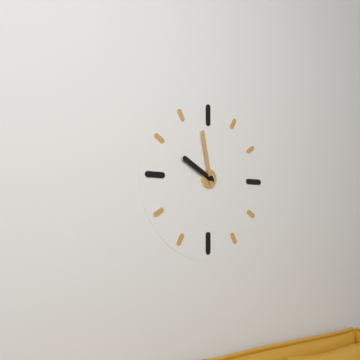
9:58
